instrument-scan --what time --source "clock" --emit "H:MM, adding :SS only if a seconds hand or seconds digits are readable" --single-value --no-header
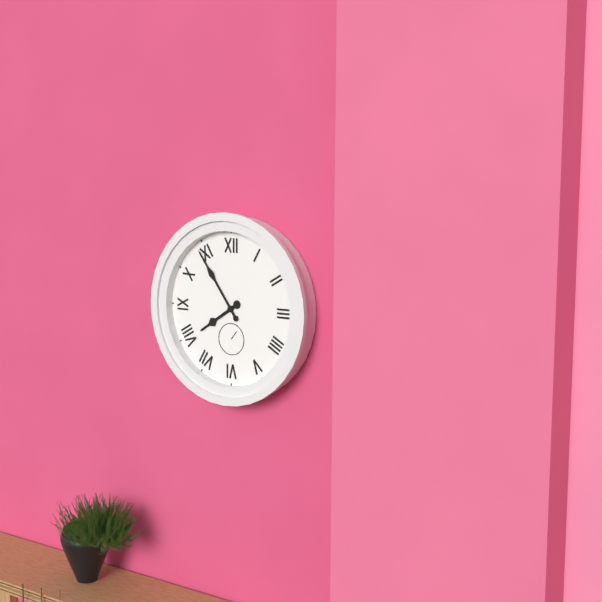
7:54
